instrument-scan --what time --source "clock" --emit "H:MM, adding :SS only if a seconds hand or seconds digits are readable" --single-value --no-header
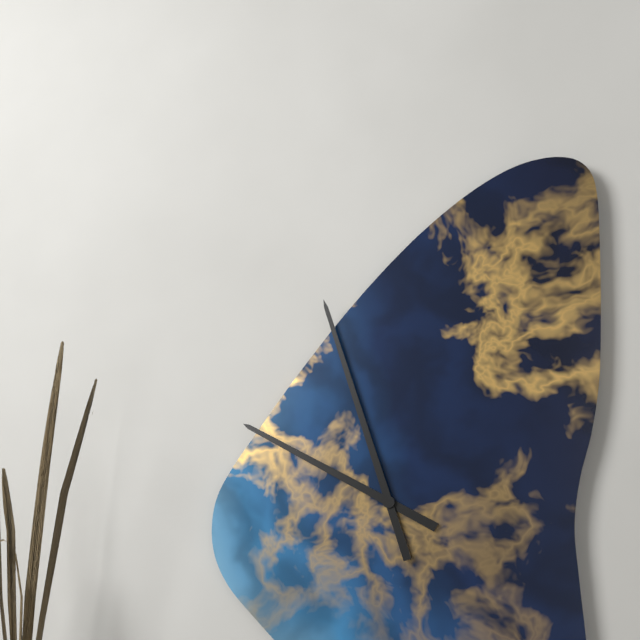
9:57
